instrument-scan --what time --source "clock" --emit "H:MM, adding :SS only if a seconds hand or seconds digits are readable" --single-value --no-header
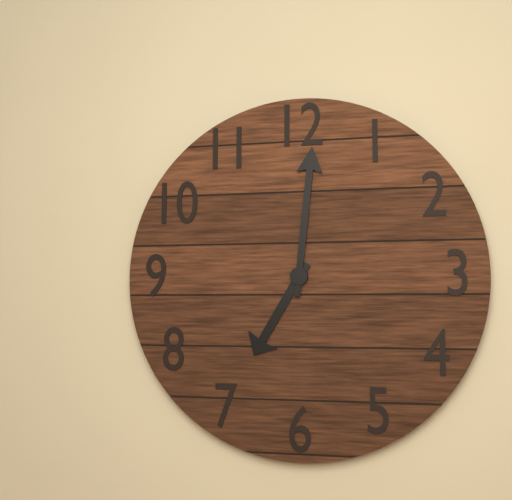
7:01
